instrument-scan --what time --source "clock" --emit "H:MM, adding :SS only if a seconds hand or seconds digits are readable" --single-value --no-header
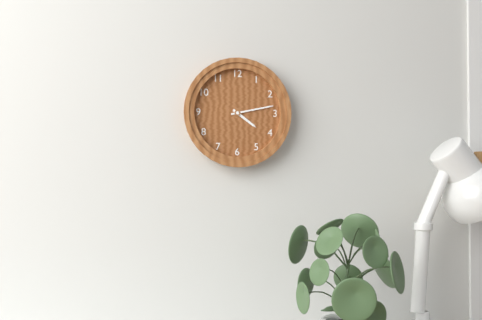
4:13
